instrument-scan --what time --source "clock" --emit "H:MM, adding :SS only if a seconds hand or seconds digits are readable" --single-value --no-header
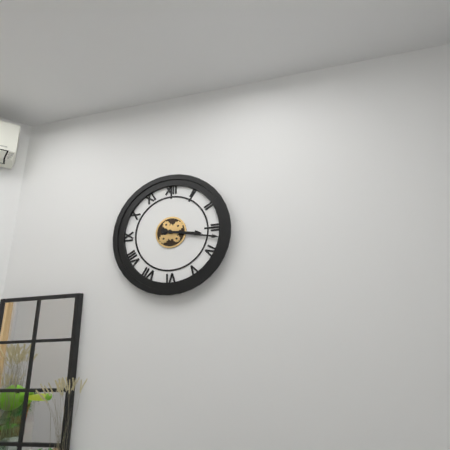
3:17
